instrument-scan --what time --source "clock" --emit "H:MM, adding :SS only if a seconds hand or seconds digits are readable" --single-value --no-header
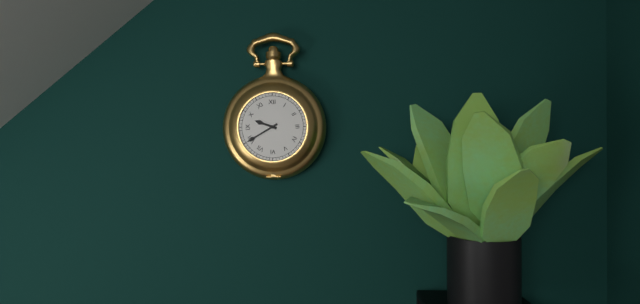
9:40
